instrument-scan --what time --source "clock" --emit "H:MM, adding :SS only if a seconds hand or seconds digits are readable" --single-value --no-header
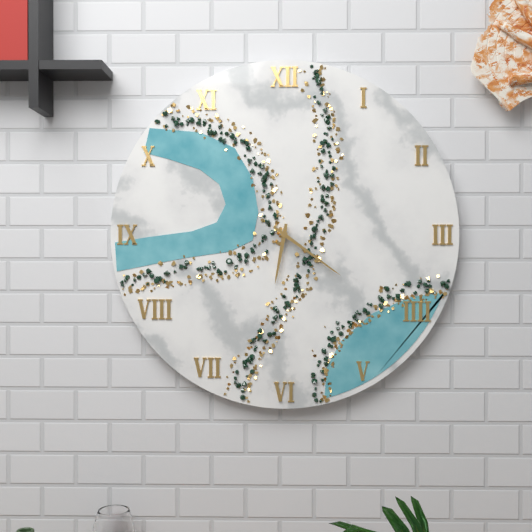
6:21
